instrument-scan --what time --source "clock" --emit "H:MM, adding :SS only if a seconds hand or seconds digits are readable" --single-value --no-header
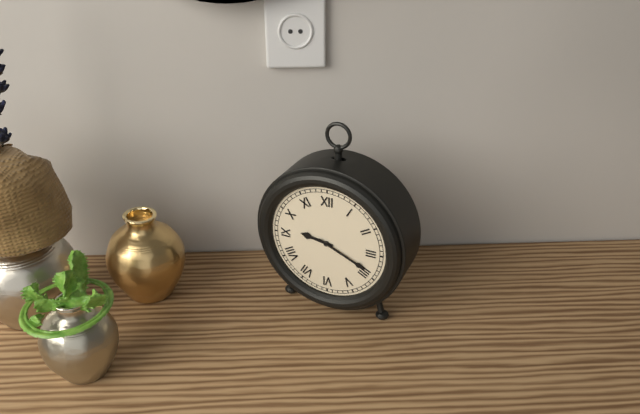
9:19
